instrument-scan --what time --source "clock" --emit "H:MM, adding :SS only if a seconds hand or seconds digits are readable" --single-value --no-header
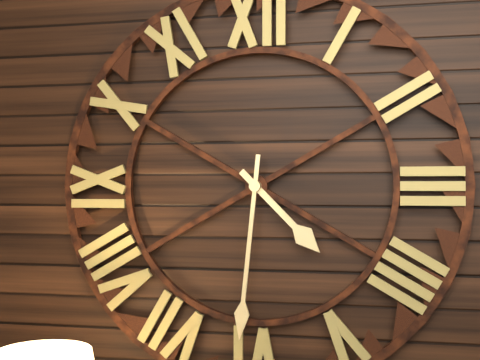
4:31
